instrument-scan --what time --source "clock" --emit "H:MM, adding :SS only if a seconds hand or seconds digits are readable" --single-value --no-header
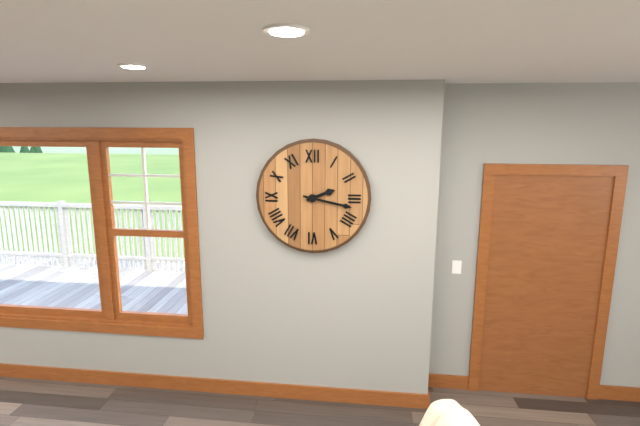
2:17
